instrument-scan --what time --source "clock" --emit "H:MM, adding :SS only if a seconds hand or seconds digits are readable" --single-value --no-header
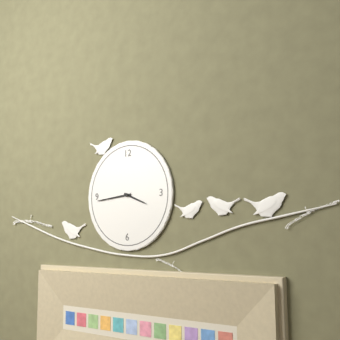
3:44
